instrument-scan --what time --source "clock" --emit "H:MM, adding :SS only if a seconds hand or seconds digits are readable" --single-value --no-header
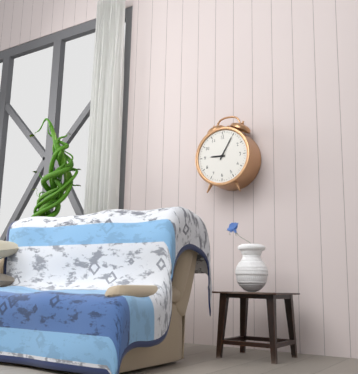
9:05
